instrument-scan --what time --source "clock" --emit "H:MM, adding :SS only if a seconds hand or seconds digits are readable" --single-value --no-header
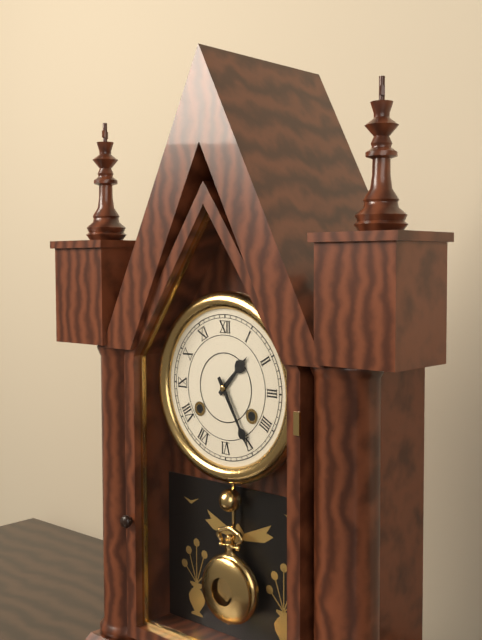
1:25
